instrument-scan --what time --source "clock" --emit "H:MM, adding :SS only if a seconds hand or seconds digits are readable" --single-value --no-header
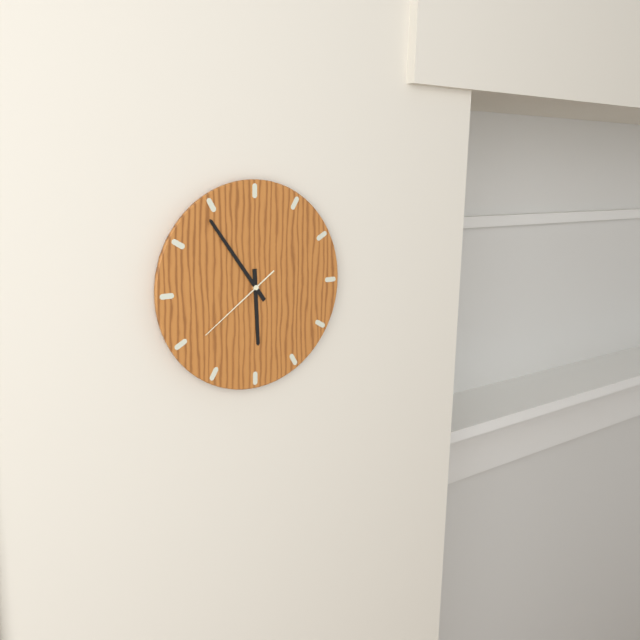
5:54:39
